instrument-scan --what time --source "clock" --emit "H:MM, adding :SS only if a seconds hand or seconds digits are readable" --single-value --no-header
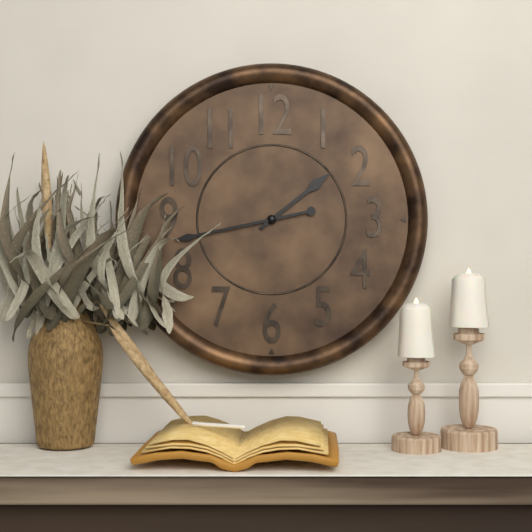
1:43
